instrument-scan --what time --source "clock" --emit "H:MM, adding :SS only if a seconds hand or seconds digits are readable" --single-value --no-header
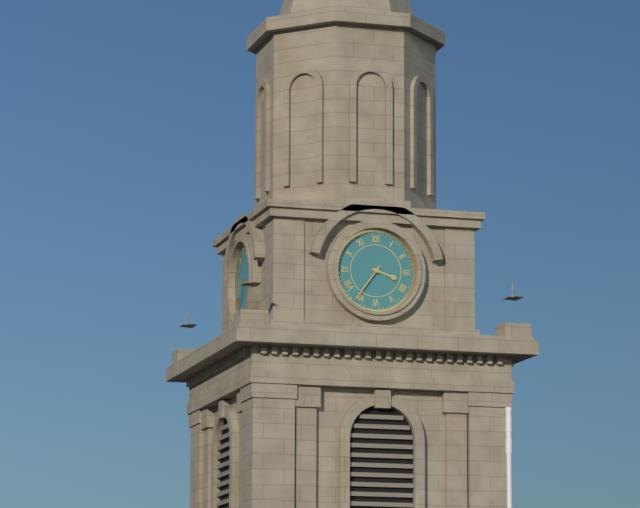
3:36
